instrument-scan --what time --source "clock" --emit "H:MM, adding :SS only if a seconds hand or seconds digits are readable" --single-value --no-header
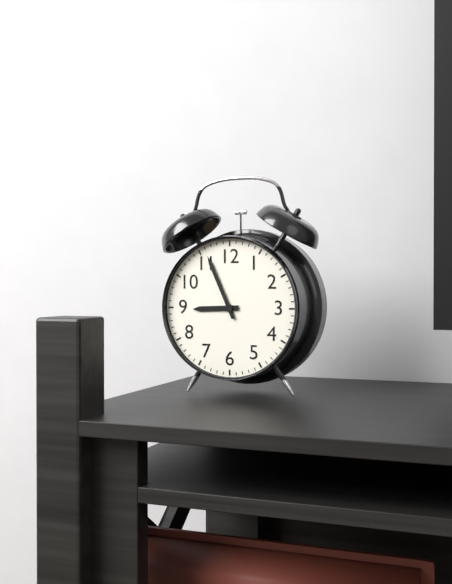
8:56
